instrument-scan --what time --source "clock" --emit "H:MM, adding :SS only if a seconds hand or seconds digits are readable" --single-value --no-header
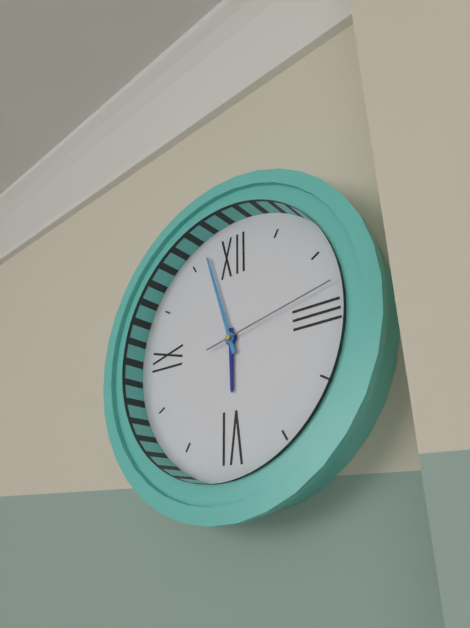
5:57:13
